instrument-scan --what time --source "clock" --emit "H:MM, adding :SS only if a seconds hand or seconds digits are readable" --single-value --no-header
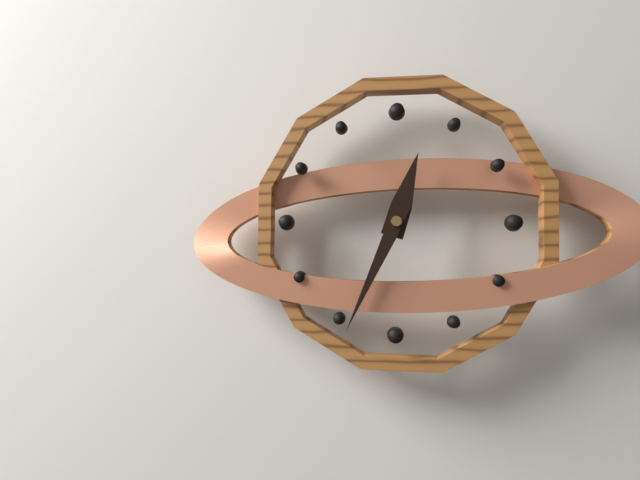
12:34
